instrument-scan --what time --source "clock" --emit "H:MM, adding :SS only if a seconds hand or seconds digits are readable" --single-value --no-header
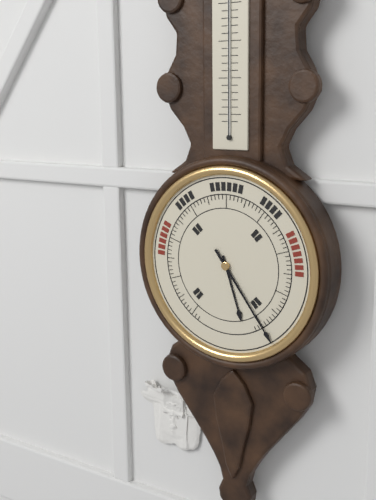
5:24
